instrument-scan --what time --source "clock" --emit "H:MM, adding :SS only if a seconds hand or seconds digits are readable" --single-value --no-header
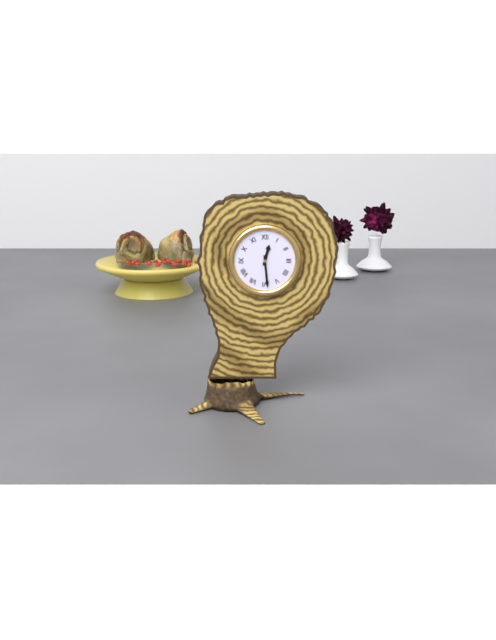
12:29
